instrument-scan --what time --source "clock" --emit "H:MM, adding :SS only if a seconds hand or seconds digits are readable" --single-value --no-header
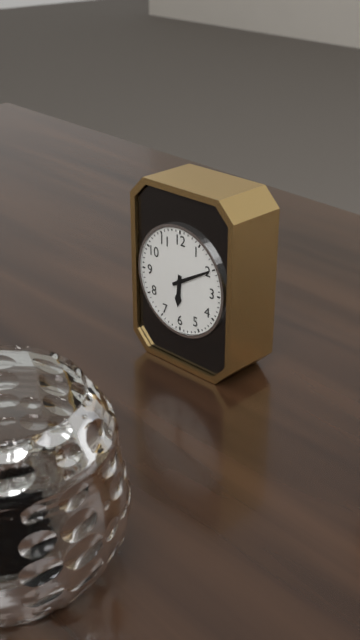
6:10
